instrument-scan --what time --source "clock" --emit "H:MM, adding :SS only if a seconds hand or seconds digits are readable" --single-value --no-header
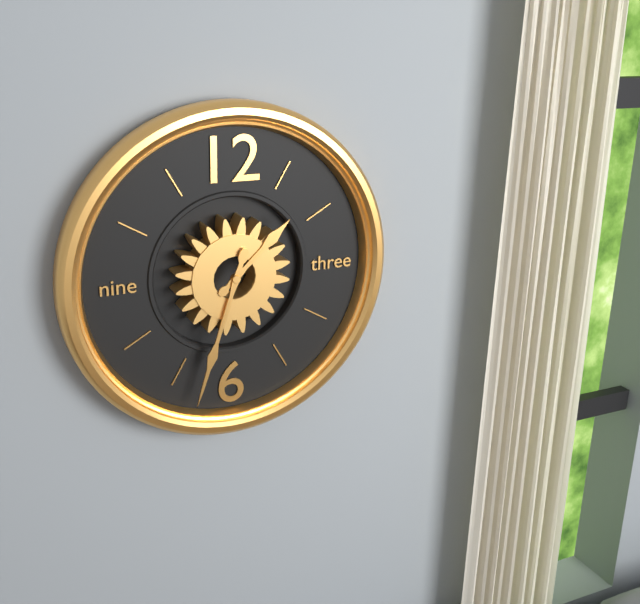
1:33
